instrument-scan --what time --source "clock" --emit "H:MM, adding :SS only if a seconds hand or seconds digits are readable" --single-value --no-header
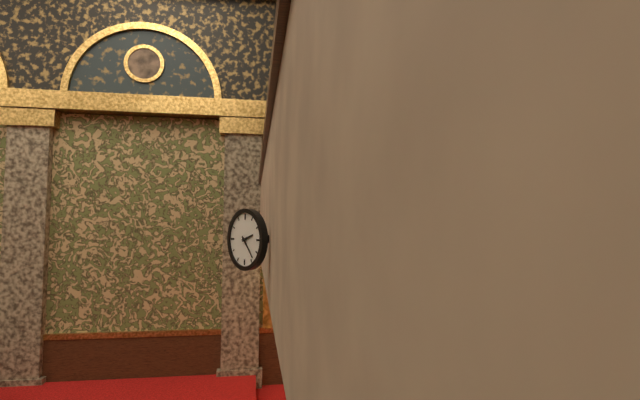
2:23
